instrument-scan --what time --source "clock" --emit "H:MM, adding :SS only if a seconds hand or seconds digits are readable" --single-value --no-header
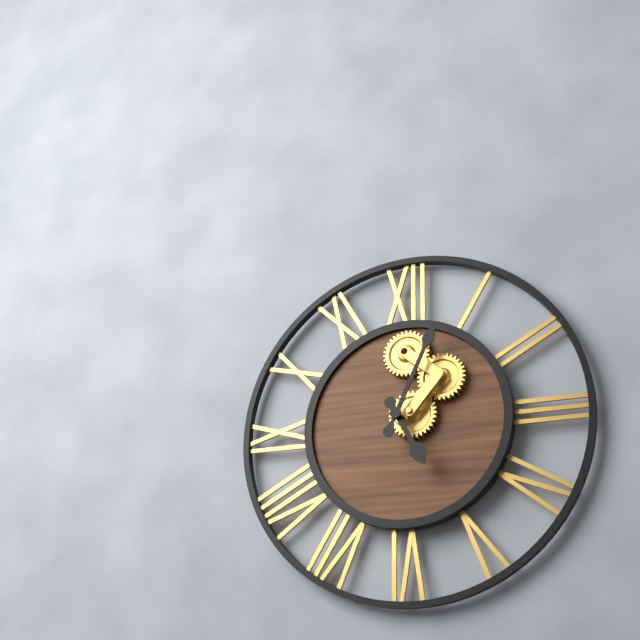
5:04
